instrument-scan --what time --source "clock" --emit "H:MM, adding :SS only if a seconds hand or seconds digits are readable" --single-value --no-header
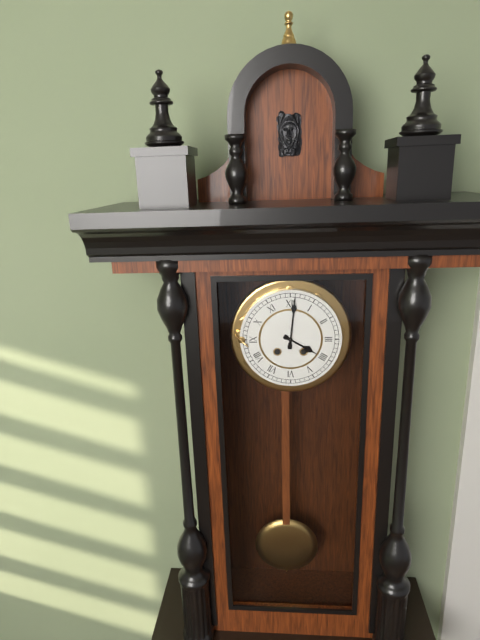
4:01
